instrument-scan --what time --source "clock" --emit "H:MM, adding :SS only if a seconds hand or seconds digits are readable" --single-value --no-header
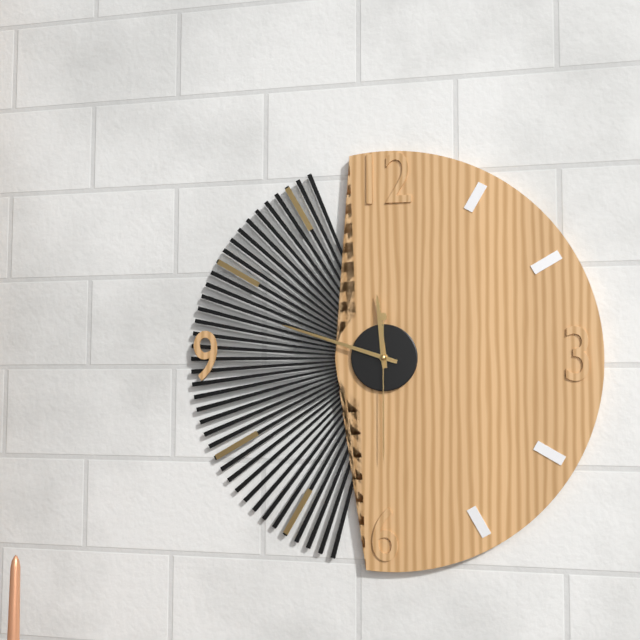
11:48:30
